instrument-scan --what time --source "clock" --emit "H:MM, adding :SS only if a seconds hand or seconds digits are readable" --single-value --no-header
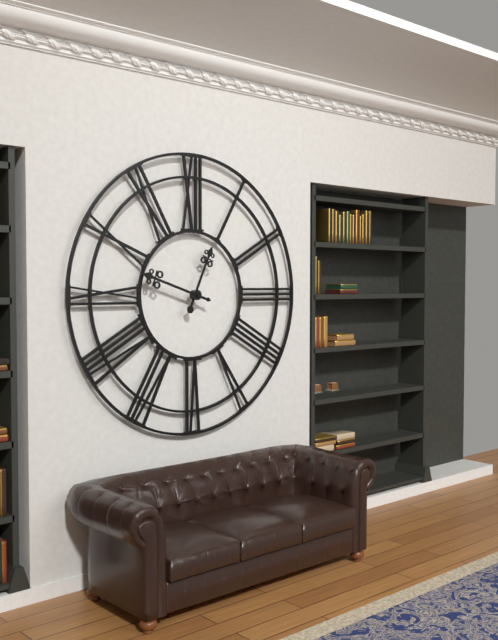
12:48
